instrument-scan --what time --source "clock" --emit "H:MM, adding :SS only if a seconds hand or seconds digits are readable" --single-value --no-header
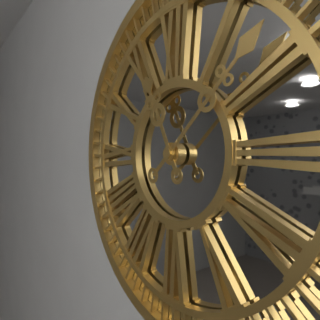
11:08
